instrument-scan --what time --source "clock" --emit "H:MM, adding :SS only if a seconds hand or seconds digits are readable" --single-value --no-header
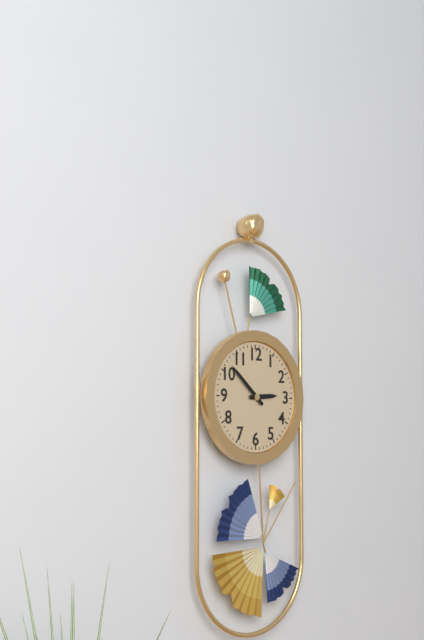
2:52
